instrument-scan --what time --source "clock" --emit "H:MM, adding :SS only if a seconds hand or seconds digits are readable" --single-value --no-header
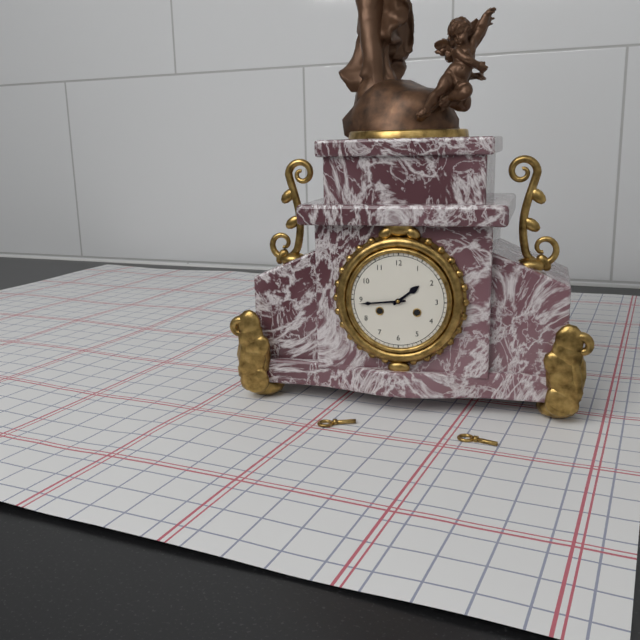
1:44
